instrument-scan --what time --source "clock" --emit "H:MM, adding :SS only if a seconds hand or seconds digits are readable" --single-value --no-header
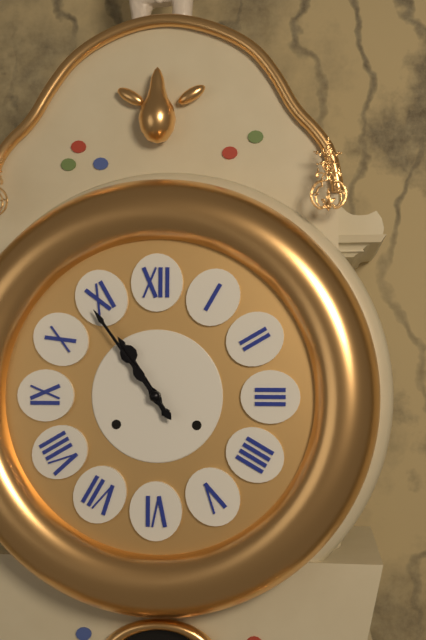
10:54
